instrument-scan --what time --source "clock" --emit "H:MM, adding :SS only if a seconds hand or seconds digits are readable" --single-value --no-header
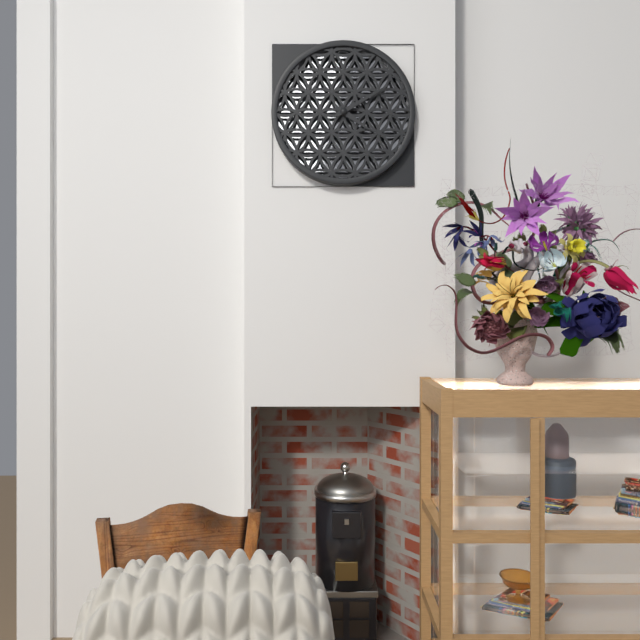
4:10
